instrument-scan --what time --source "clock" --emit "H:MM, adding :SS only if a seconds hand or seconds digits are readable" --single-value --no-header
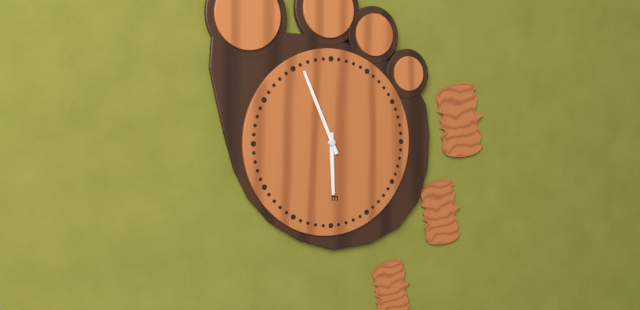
5:56
